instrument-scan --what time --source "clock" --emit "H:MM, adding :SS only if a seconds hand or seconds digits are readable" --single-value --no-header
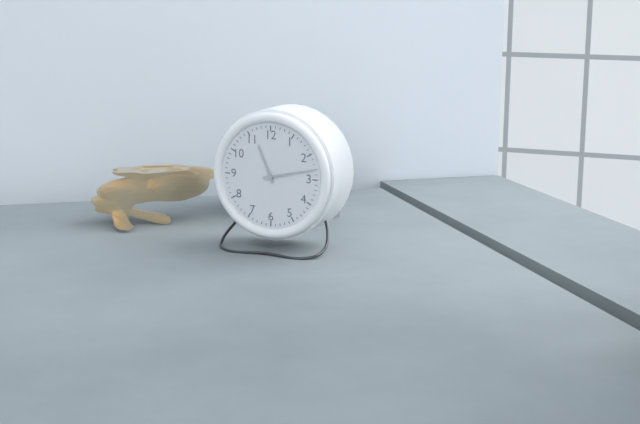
11:13
